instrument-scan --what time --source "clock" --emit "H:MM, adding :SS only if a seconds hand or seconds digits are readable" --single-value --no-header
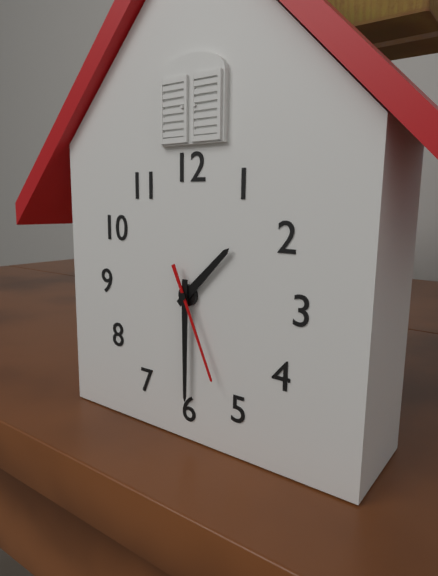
1:30:26
